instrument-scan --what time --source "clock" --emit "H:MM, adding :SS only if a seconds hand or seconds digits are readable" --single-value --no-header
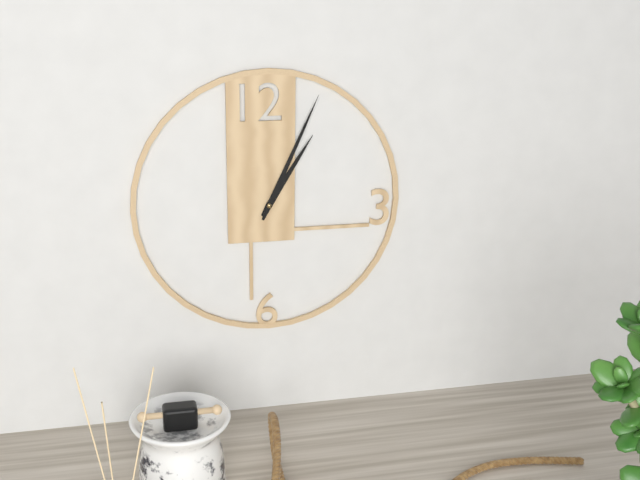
1:04
